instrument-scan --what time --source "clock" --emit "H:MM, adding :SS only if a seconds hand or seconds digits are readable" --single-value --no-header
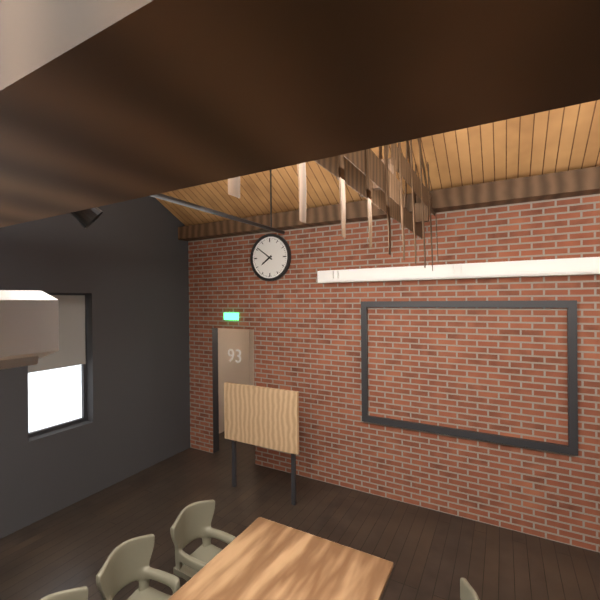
7:51
